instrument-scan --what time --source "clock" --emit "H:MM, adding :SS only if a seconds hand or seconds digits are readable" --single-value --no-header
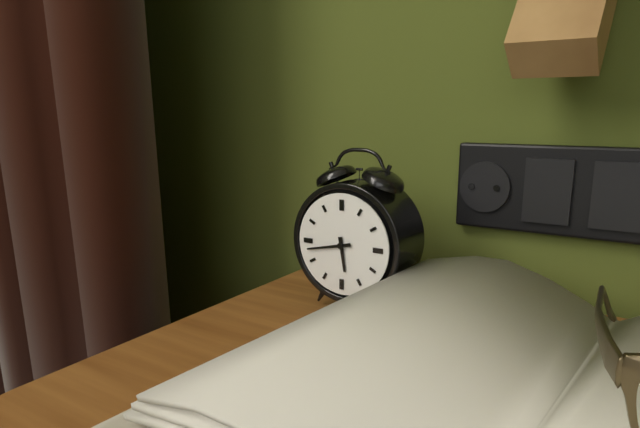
5:43
